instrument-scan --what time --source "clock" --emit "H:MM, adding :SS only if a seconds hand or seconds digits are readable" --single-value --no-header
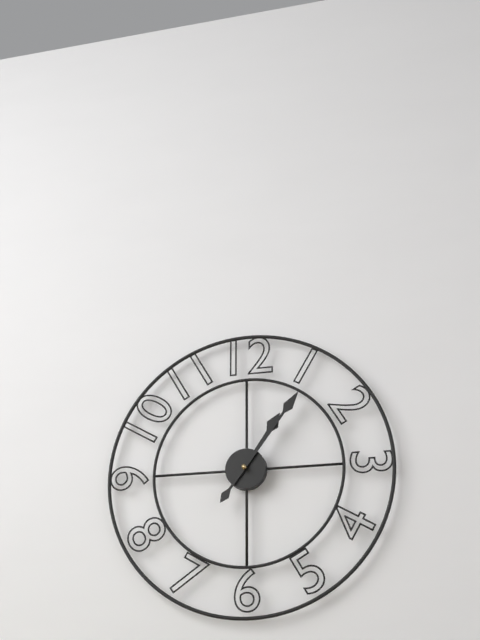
1:06
